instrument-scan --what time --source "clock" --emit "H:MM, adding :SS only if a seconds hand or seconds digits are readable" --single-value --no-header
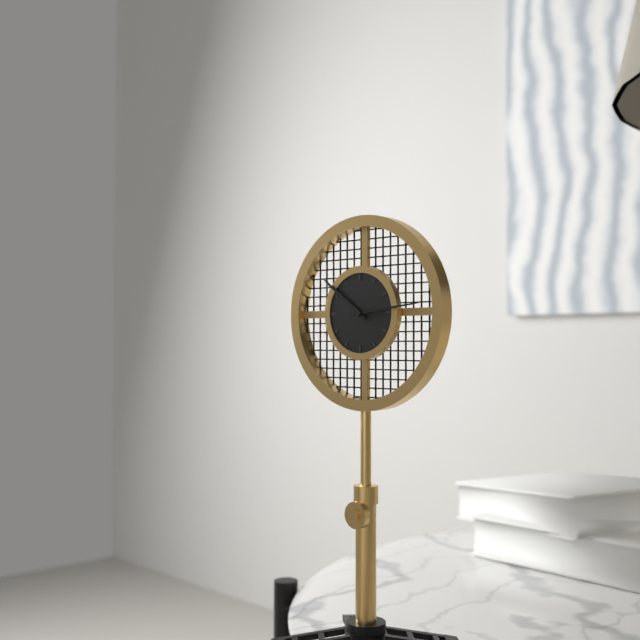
10:14
